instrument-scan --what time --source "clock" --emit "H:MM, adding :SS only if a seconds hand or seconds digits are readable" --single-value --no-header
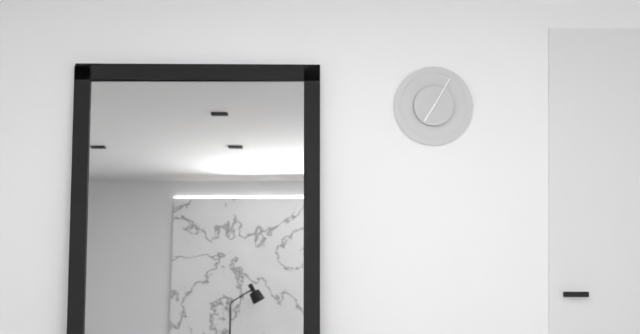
7:05
